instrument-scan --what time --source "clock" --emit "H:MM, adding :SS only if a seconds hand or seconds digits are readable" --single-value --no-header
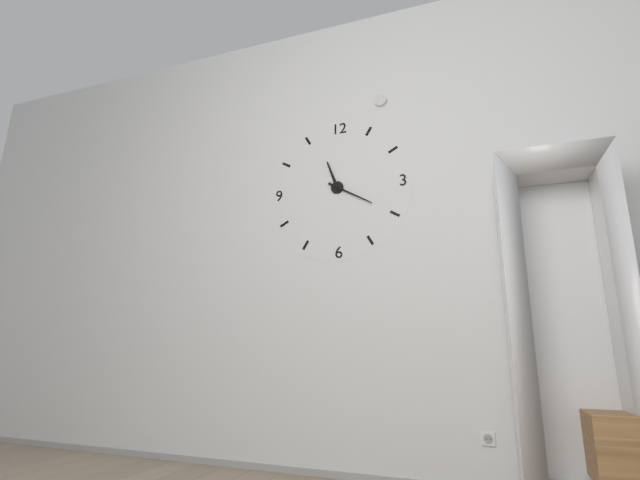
11:20
